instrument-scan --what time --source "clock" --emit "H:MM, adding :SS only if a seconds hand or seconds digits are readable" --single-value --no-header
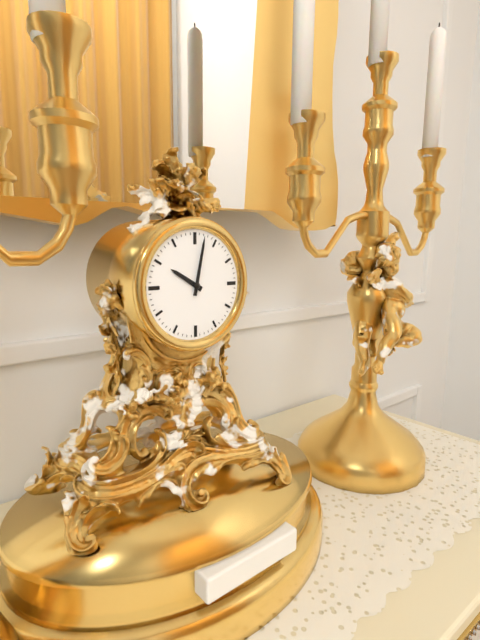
10:02
